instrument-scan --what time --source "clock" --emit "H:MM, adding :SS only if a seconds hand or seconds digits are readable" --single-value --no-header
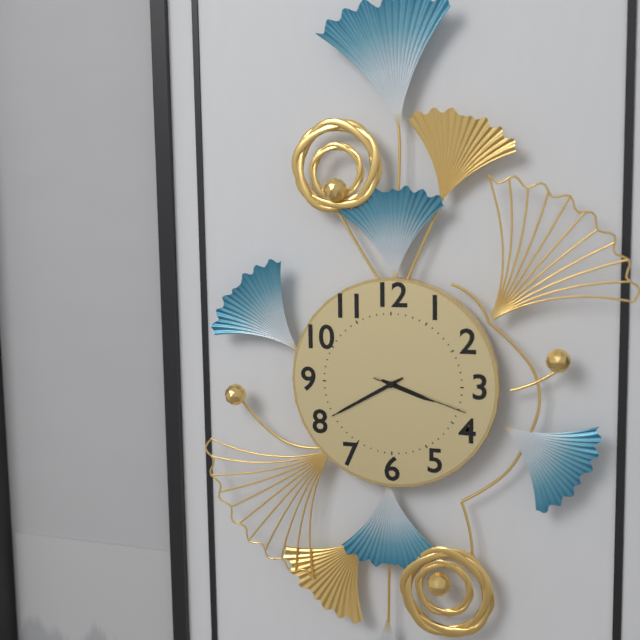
3:40:18
